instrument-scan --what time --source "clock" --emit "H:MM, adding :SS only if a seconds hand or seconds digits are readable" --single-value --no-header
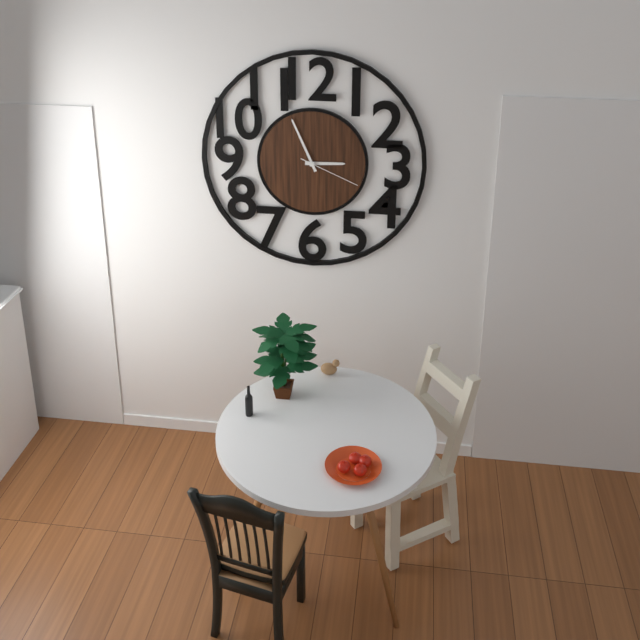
2:56:19
